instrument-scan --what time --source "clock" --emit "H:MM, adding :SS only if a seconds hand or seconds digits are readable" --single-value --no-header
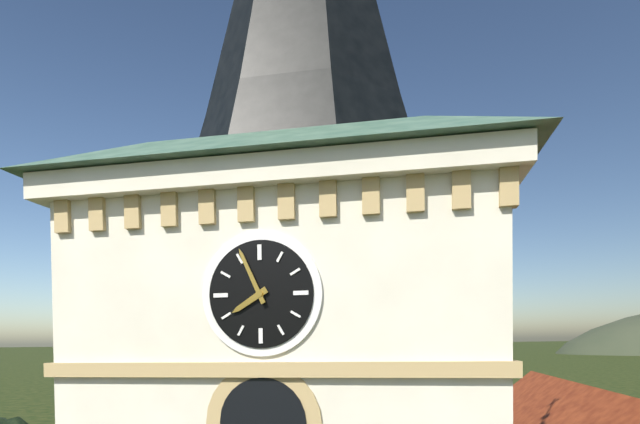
7:56
